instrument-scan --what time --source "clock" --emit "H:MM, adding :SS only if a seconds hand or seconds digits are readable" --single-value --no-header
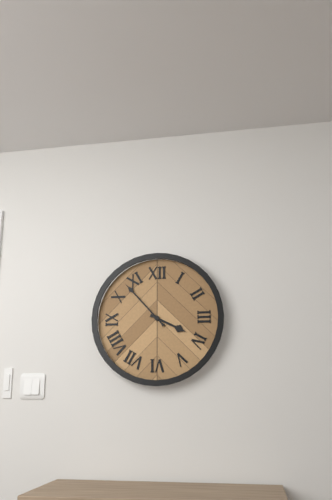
3:53
